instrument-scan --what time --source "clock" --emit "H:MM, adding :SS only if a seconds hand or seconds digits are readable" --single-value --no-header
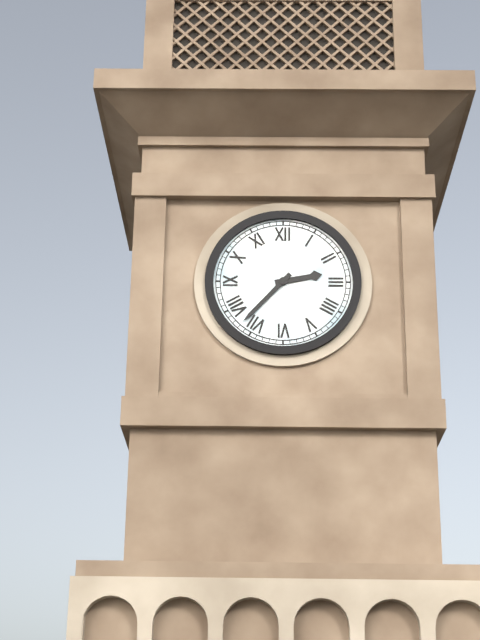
2:37
